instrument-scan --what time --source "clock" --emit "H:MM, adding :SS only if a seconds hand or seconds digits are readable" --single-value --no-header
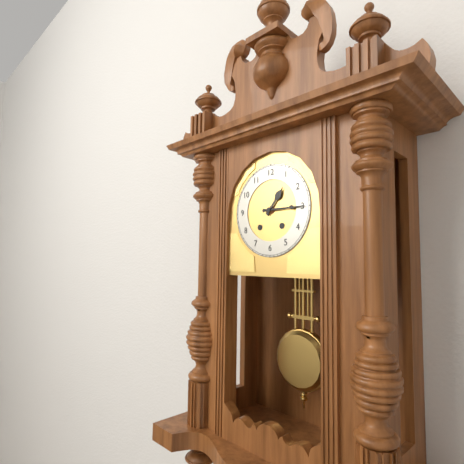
1:15
